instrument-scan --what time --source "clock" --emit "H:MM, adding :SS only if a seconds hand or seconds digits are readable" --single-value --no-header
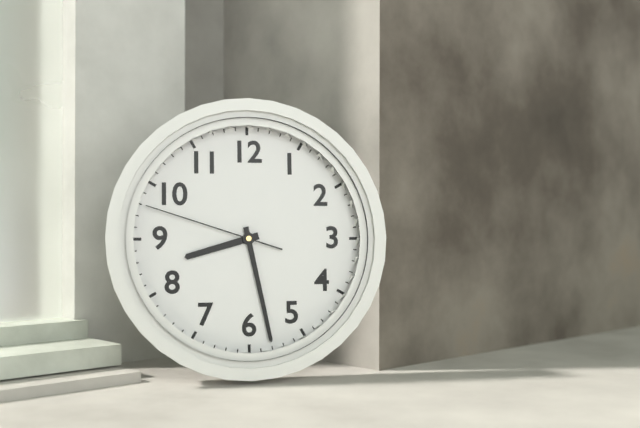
8:28:48
